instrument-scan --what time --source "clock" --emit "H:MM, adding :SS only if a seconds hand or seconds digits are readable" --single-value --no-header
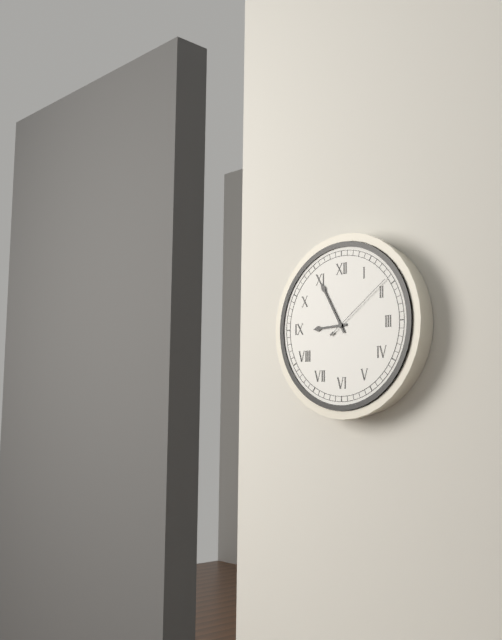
8:55:09
